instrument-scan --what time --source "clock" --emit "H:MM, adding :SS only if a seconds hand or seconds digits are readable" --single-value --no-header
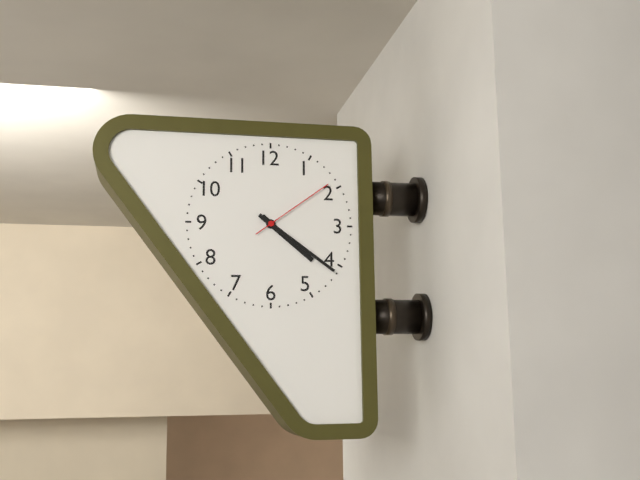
4:21:09
